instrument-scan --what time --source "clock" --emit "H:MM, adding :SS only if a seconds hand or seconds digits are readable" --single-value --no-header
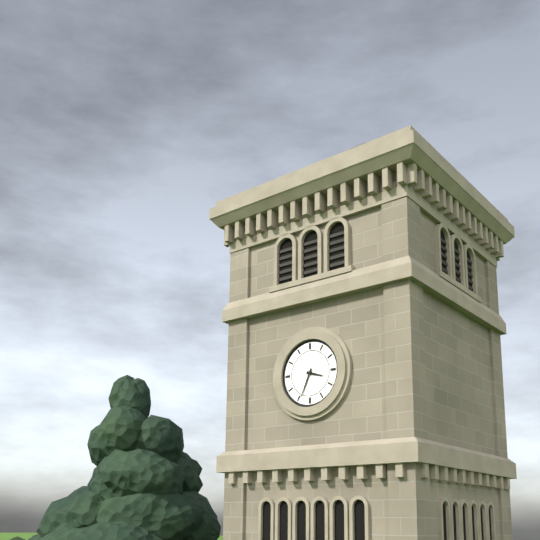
3:34
